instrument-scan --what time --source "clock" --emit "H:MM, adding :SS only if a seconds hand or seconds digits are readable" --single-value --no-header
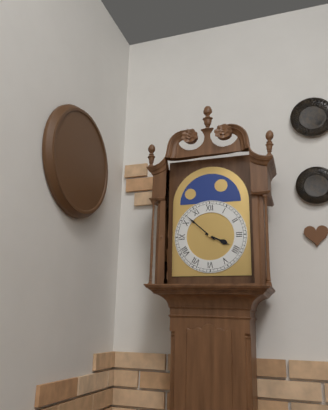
3:52
